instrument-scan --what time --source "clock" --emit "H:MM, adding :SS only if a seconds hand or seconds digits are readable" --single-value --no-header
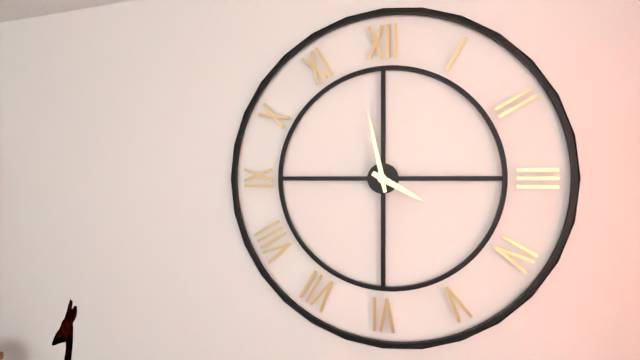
3:58
